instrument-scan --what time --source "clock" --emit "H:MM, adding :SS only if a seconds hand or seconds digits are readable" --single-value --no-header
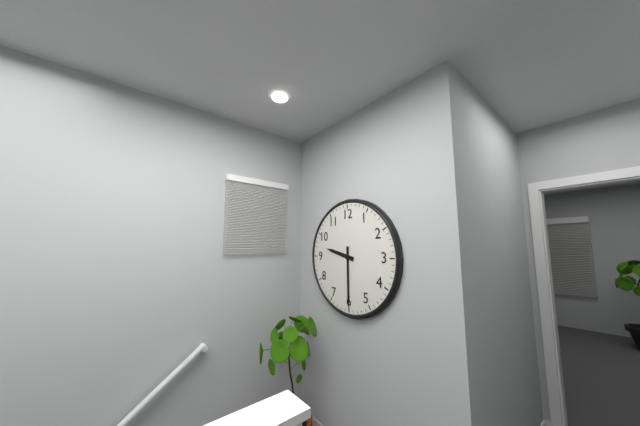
9:30
